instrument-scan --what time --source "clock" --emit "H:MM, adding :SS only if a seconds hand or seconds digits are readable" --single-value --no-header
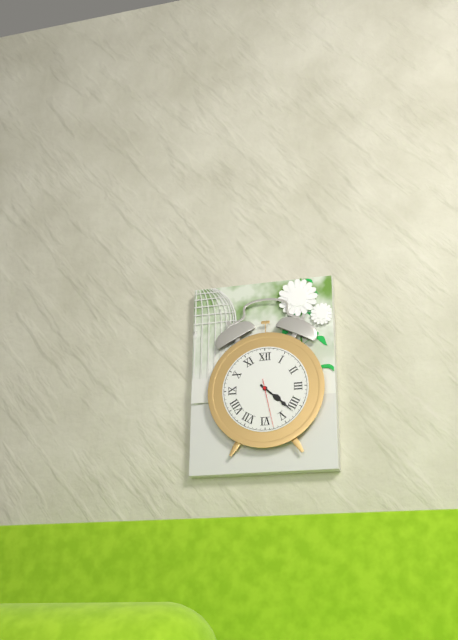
4:22
